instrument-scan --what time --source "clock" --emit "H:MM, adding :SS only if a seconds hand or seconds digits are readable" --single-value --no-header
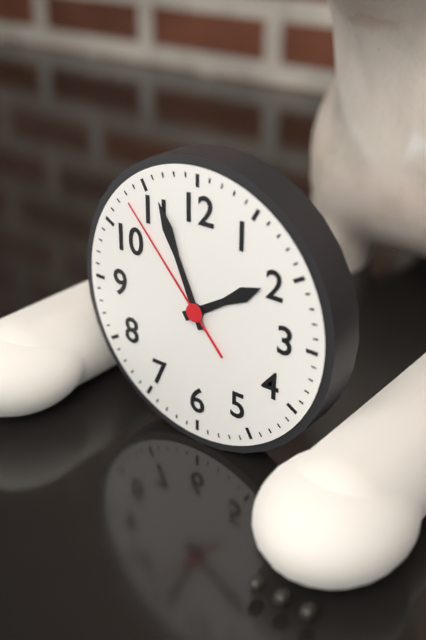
1:56:53
